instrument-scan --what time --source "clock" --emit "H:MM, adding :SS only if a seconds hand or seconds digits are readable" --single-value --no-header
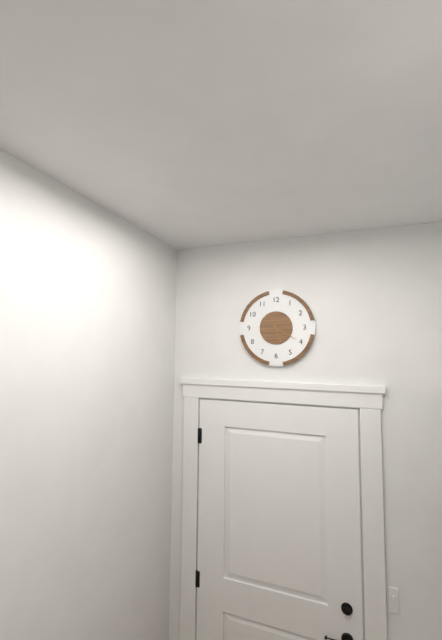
5:20
